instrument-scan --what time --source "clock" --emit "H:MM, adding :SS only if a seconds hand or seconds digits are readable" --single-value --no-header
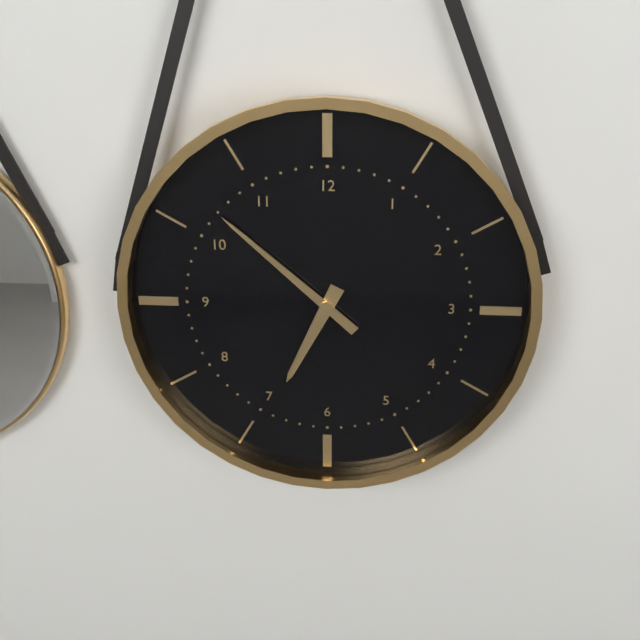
6:52
